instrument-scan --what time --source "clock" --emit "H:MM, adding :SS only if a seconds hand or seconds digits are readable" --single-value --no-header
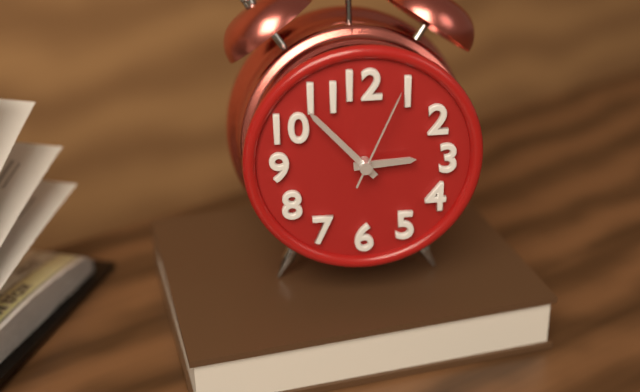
2:53:04
